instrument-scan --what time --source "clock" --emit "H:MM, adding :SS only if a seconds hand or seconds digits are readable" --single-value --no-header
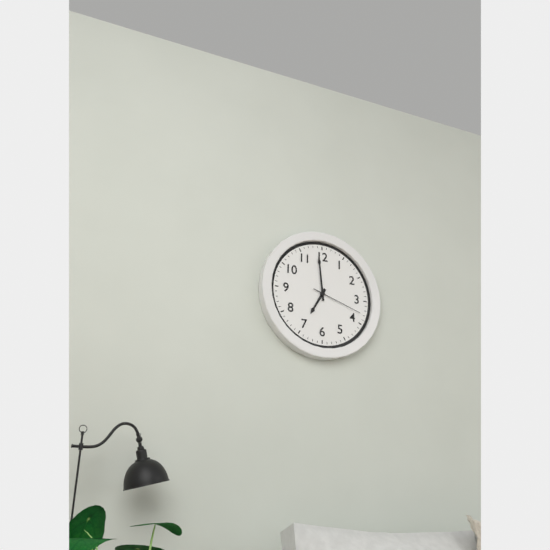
6:59:18
